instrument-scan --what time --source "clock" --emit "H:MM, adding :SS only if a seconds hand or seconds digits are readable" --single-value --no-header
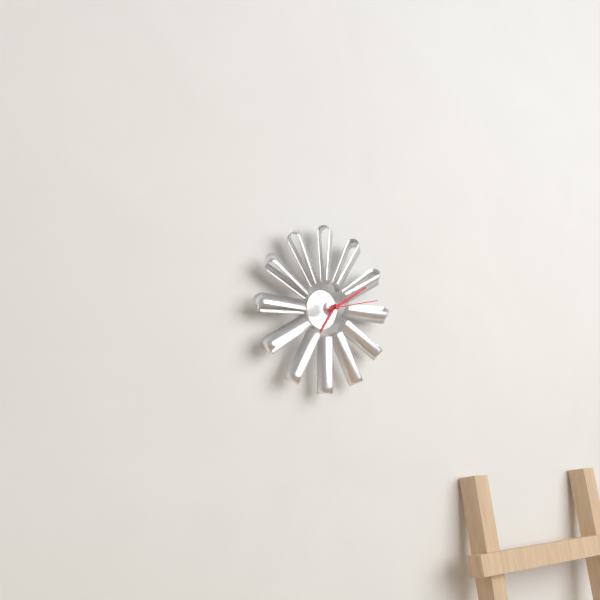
7:10:13
